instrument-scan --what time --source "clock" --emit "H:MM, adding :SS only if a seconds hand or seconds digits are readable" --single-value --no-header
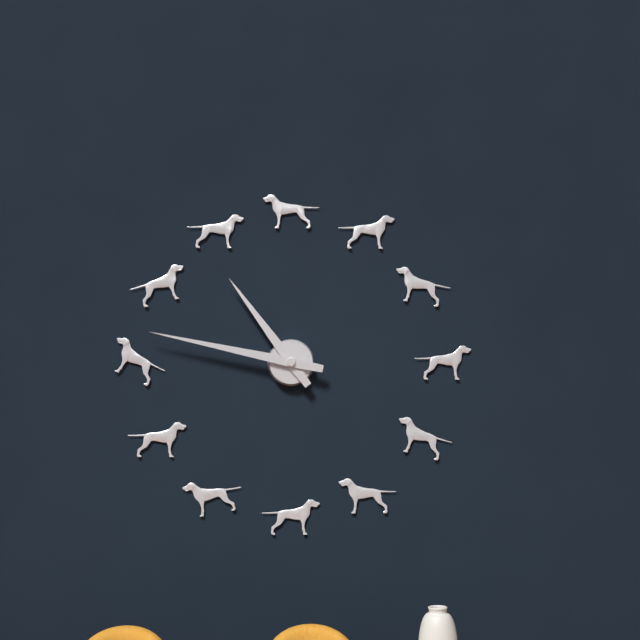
10:47
